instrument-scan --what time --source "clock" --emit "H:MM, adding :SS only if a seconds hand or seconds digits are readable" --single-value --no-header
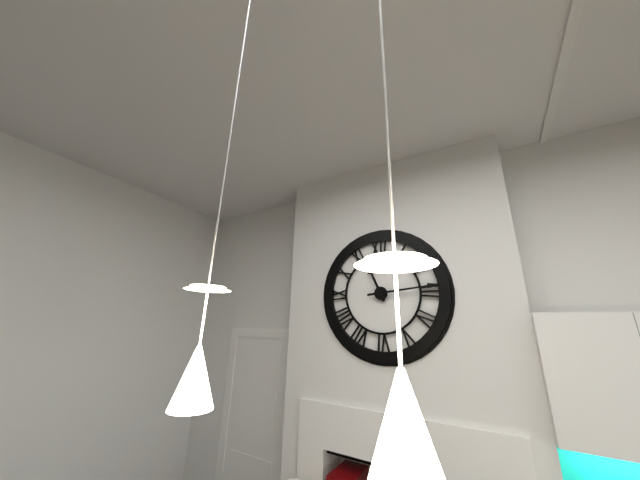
11:14
